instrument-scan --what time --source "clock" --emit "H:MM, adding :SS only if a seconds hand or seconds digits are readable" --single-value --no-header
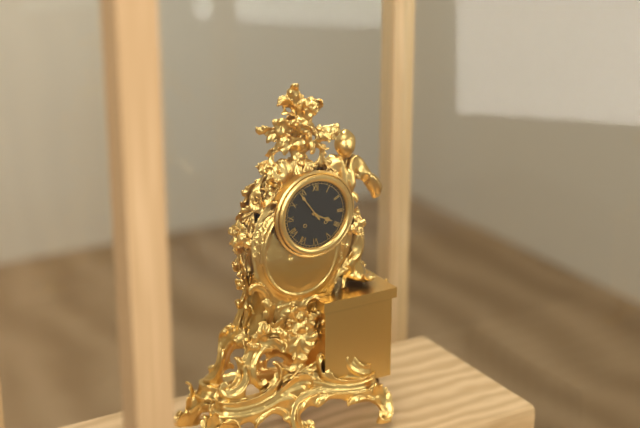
3:54
